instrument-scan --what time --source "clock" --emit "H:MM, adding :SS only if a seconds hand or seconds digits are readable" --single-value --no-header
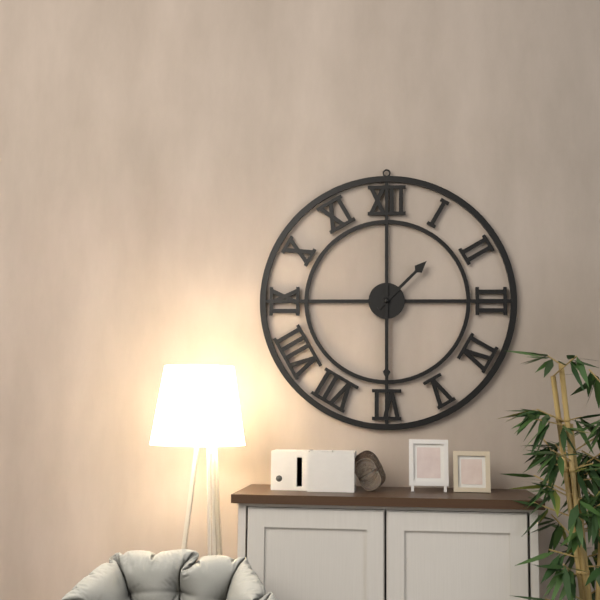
1:30
